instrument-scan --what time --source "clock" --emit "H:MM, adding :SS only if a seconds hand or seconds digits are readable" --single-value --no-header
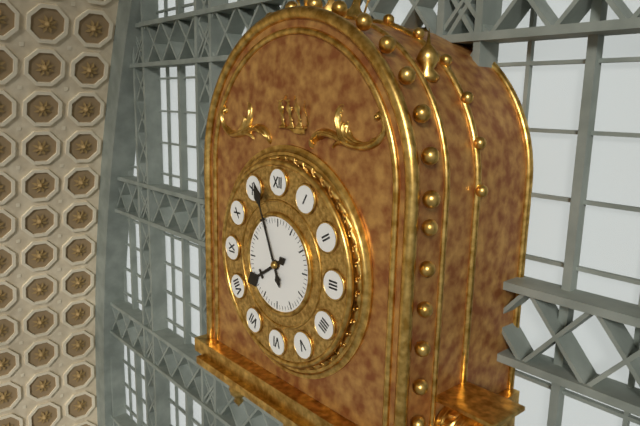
7:56
